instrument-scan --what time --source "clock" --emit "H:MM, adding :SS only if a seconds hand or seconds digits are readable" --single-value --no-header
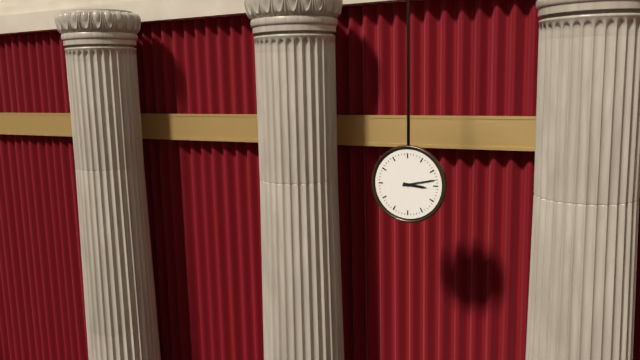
3:13
